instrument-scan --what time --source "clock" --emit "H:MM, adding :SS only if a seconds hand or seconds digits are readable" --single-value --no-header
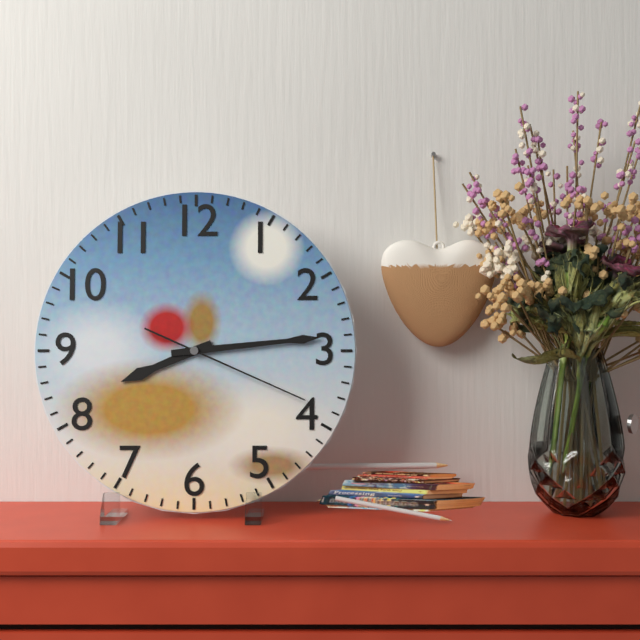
8:14:19
